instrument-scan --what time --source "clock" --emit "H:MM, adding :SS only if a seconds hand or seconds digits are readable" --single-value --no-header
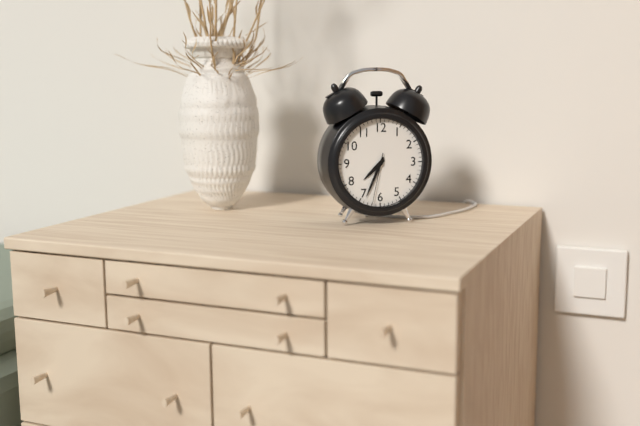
7:34:32
